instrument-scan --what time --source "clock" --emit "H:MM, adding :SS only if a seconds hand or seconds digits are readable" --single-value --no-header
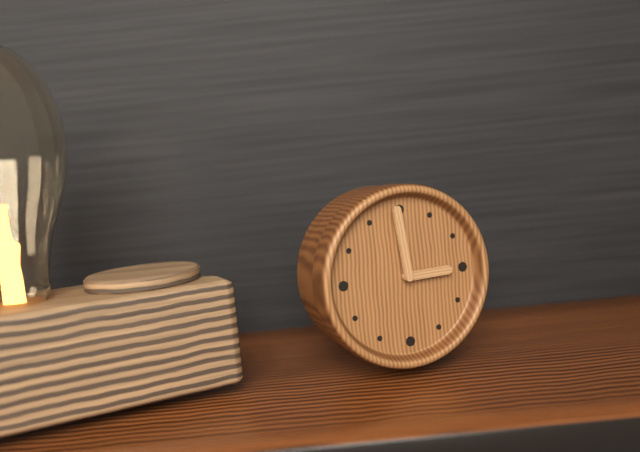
2:59
